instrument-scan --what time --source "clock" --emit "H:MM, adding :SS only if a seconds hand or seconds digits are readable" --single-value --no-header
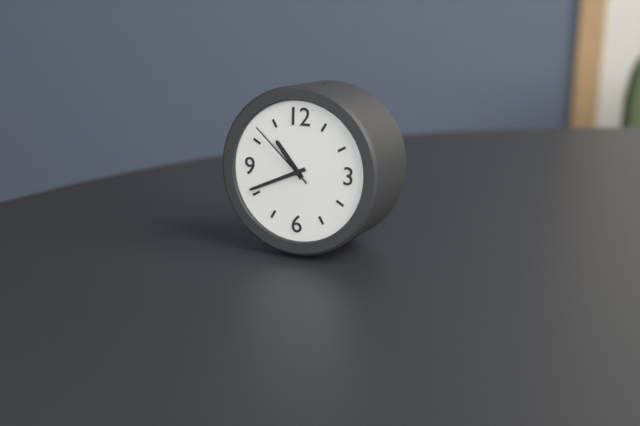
10:41:52
